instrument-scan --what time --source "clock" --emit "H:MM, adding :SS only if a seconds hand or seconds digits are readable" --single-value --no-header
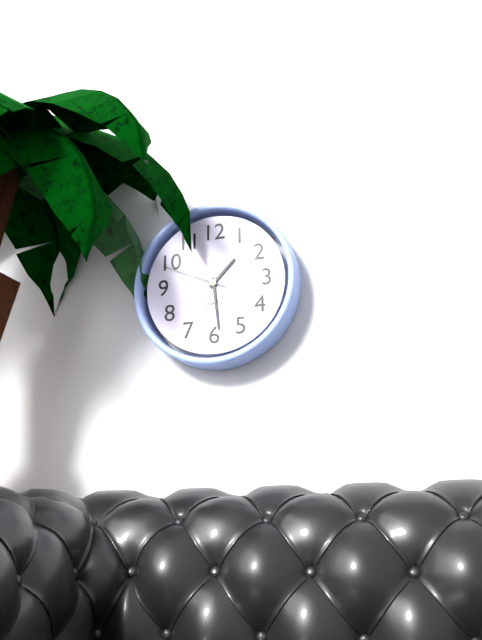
1:29:49
